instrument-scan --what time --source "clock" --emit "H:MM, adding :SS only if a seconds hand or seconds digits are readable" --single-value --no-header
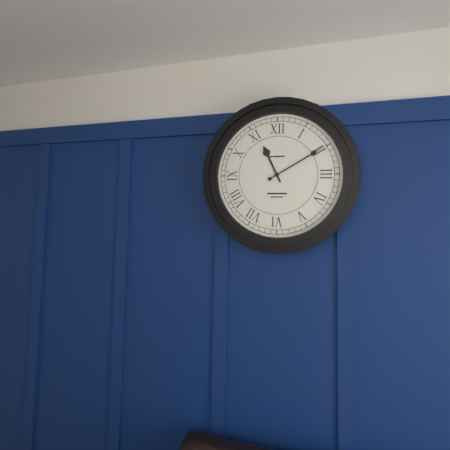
11:10
